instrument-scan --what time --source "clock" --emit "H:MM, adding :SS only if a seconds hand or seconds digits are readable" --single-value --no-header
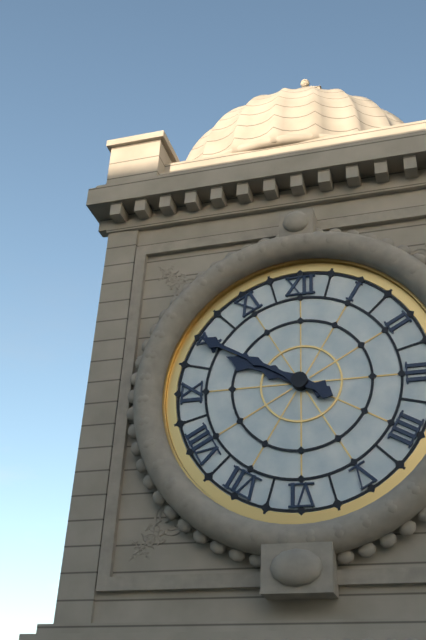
9:50
